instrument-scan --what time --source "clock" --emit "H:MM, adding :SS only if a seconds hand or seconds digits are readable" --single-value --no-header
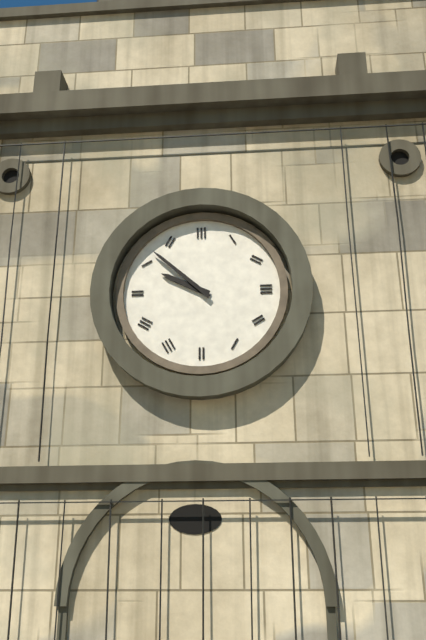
9:52
